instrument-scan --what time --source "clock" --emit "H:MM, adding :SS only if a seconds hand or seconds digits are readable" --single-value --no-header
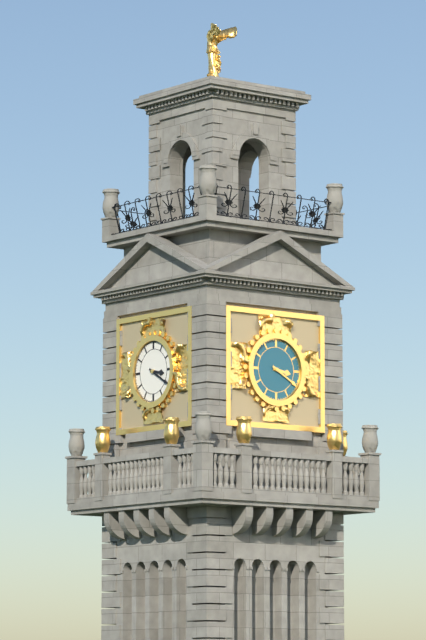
3:20
